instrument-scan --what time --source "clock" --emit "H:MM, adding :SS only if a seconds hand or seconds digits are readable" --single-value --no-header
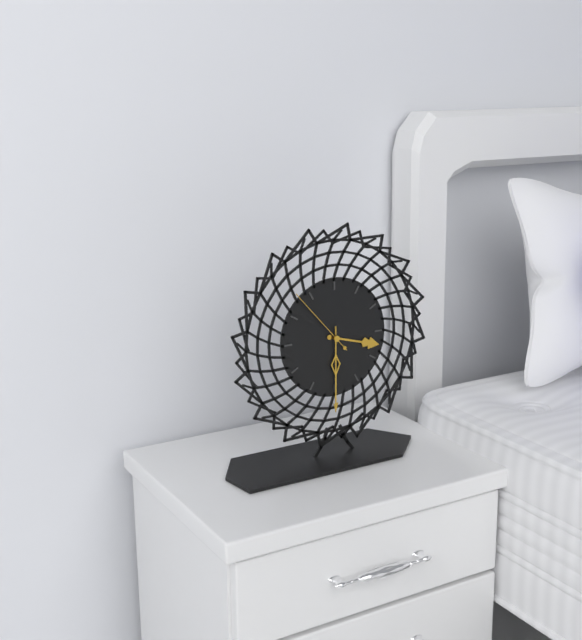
3:30:53
